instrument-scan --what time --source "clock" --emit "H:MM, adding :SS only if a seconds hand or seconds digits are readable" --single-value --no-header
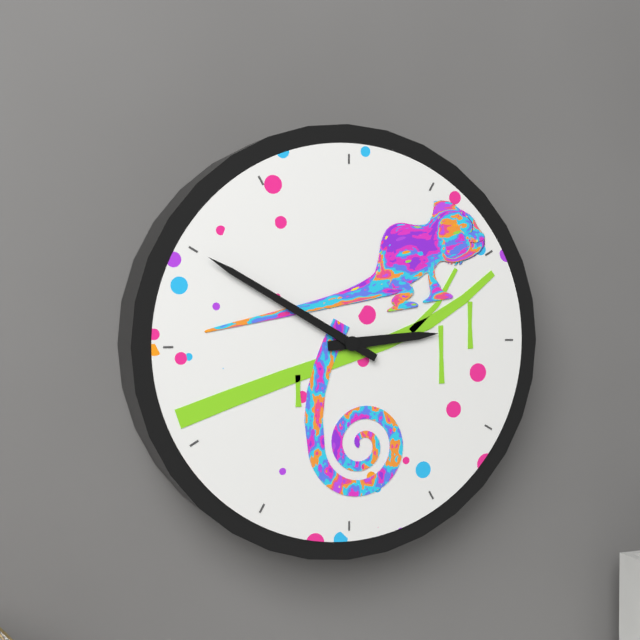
2:50
